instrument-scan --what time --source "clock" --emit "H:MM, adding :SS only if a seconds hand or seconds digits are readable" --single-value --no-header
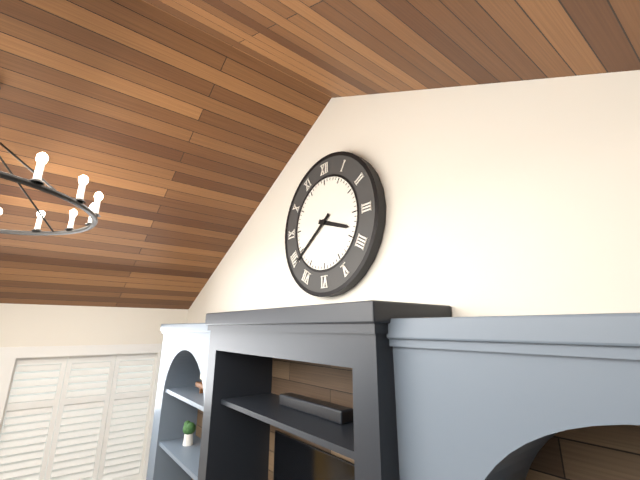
3:39
